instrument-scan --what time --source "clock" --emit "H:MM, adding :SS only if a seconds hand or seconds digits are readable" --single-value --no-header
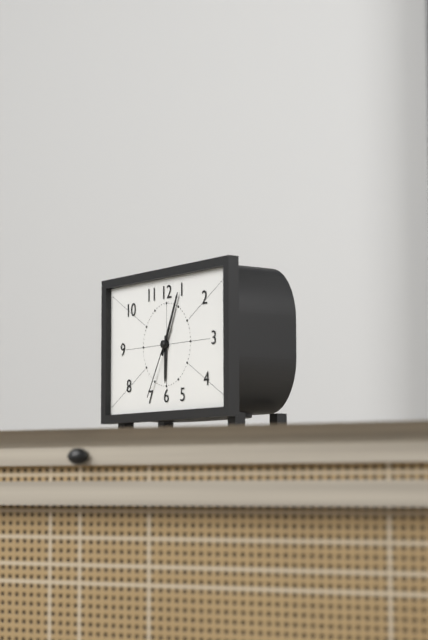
6:04:35
